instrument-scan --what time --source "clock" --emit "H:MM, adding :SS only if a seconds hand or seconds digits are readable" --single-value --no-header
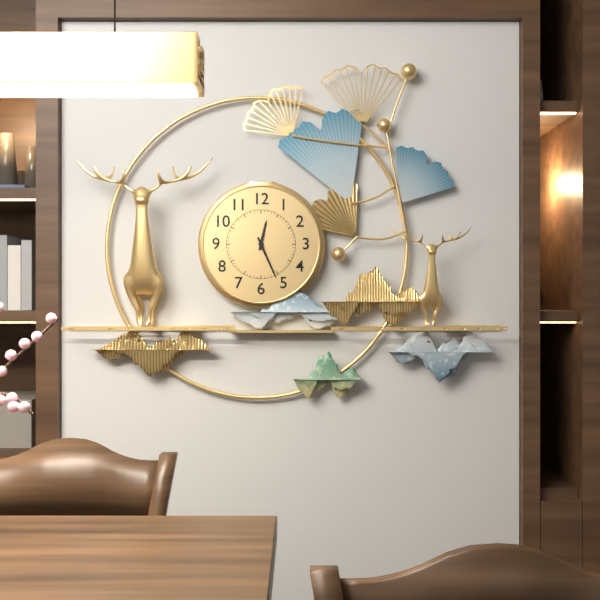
12:26
